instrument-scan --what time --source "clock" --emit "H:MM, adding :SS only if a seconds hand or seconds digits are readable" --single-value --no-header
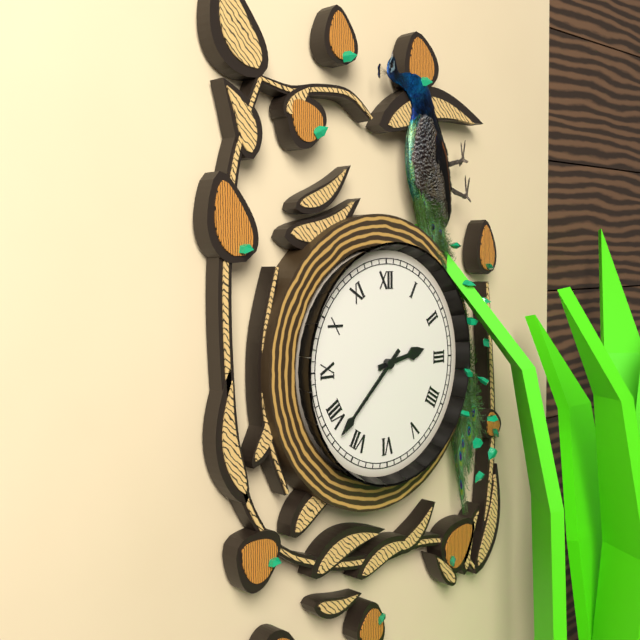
2:38
